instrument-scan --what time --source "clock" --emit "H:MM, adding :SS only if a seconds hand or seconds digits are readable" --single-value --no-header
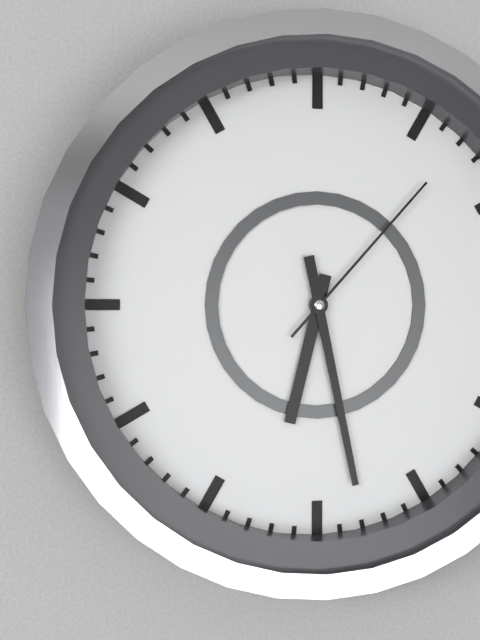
6:28:07
